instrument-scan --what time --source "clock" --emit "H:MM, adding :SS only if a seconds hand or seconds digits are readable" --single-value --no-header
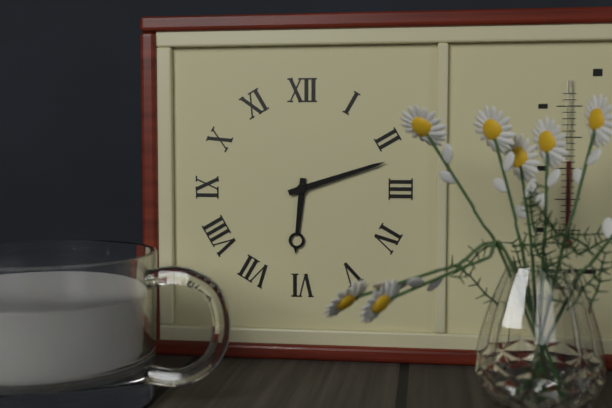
6:12
